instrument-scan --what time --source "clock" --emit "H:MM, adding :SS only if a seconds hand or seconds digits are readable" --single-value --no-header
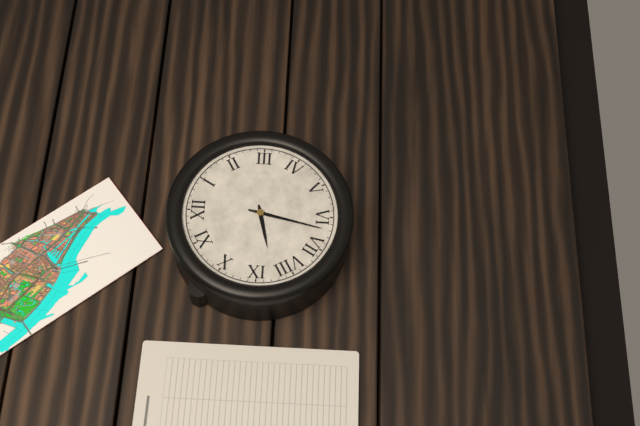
8:32
